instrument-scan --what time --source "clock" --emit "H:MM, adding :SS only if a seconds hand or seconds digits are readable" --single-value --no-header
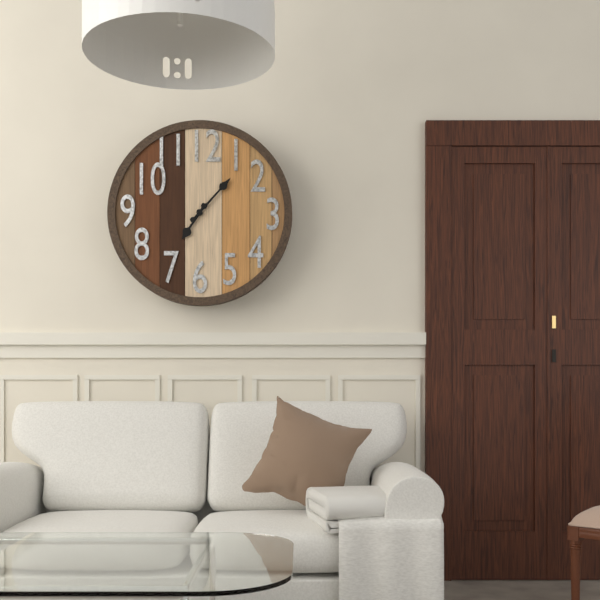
7:07
